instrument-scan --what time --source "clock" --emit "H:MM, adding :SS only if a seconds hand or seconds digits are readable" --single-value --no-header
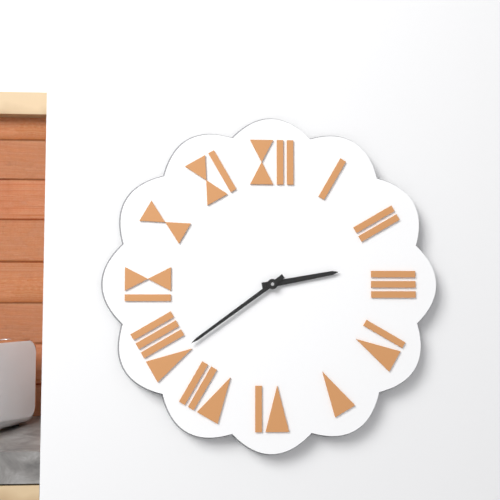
2:39
